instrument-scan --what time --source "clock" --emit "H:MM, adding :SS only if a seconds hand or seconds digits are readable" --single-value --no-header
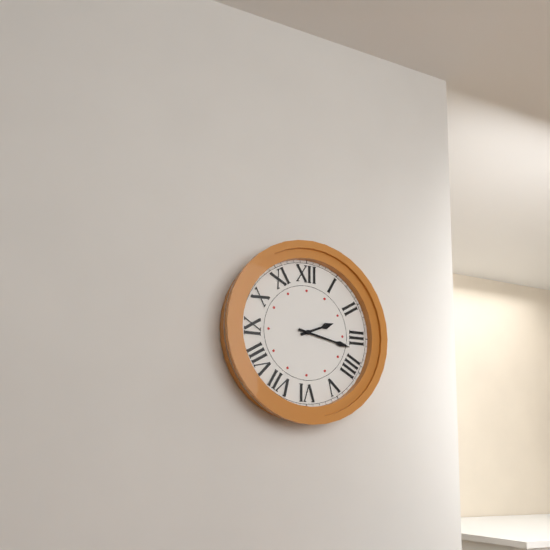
2:17
